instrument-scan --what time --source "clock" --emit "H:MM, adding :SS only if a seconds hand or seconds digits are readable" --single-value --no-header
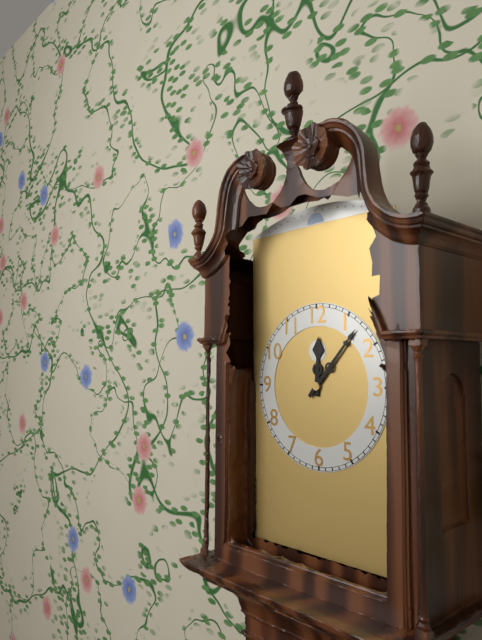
12:07
